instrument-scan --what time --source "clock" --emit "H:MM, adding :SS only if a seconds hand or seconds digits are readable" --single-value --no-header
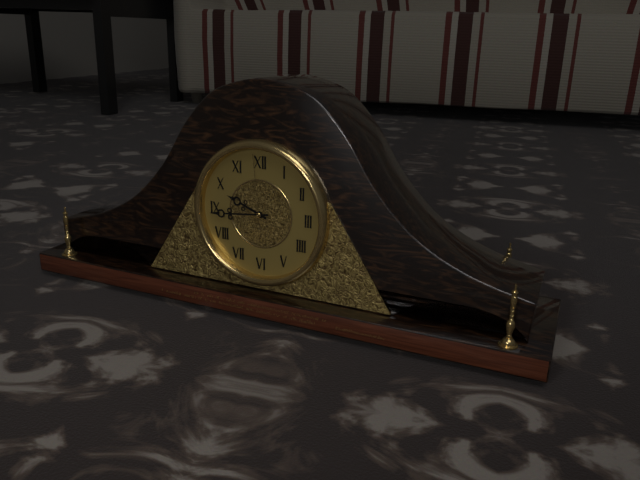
9:44:59
